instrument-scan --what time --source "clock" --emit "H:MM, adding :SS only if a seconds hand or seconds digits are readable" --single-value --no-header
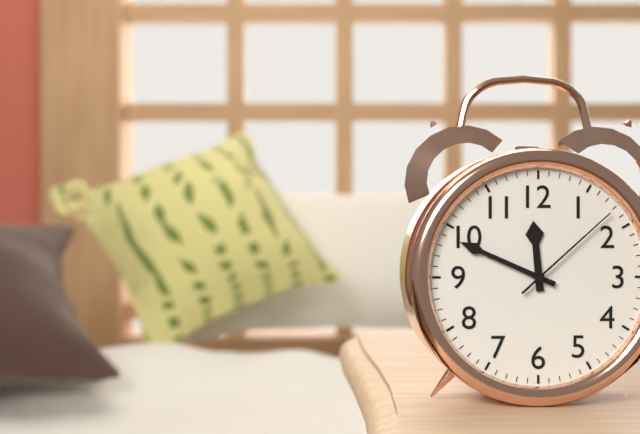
11:49:08
